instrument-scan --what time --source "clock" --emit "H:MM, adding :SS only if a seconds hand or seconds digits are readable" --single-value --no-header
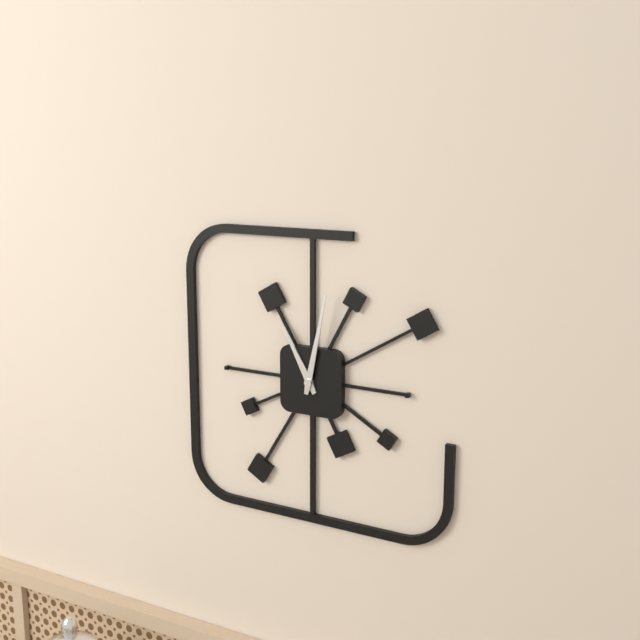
11:02
